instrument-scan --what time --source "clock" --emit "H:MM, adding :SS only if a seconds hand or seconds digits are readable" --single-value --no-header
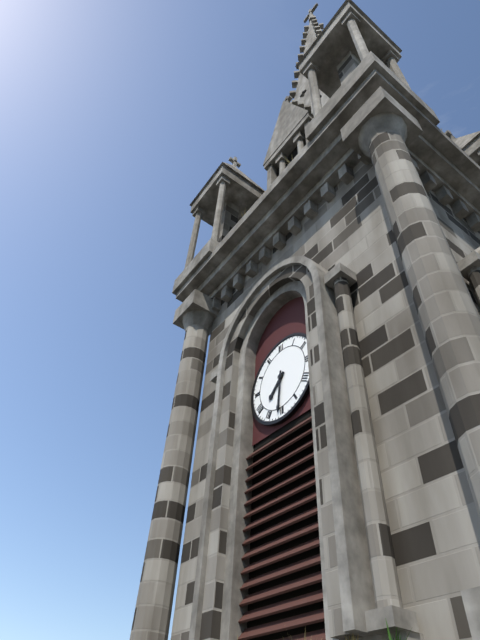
7:31
